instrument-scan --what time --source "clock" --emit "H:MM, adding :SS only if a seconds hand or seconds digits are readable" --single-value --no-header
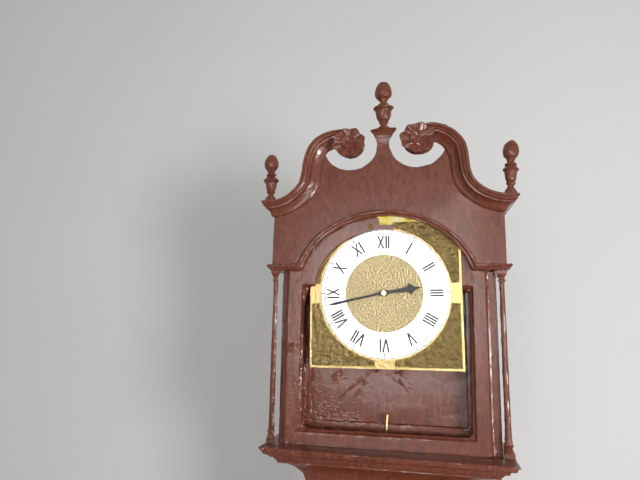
2:43
